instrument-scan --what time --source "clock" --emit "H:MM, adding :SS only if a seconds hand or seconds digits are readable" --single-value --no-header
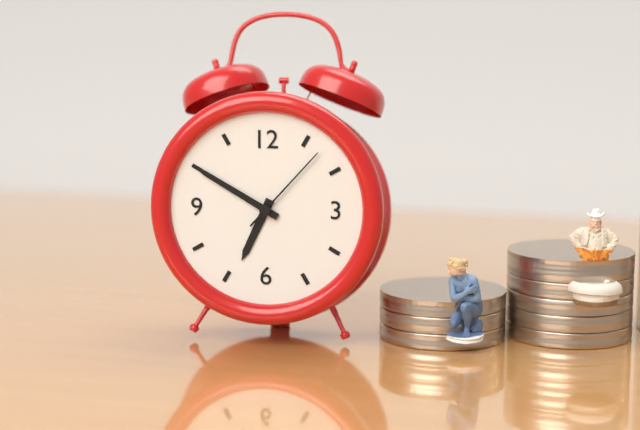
6:50:07
